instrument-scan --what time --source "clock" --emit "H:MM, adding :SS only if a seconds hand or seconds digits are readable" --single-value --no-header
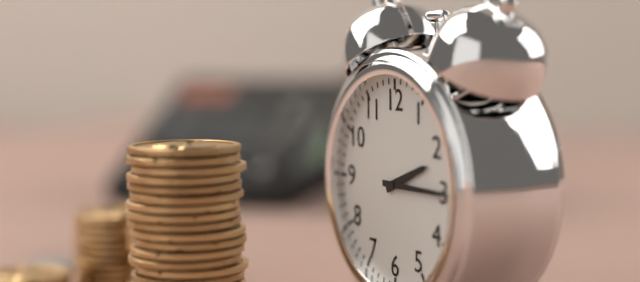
2:15
